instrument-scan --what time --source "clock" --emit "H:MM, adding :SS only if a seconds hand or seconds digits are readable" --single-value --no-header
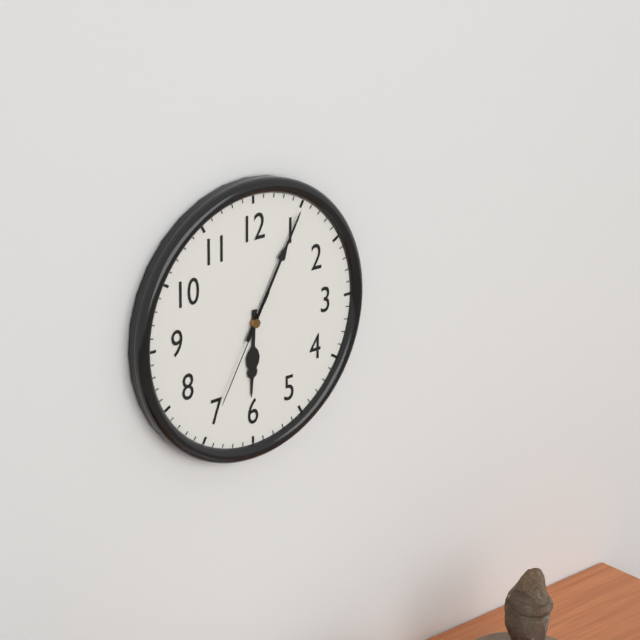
6:05:35
